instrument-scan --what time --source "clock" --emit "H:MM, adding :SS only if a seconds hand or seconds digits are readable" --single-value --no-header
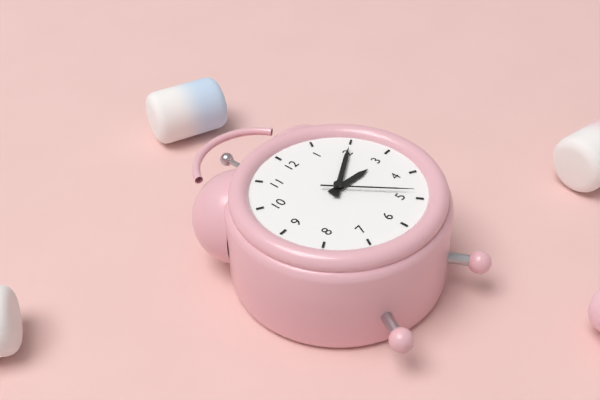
3:10:24
